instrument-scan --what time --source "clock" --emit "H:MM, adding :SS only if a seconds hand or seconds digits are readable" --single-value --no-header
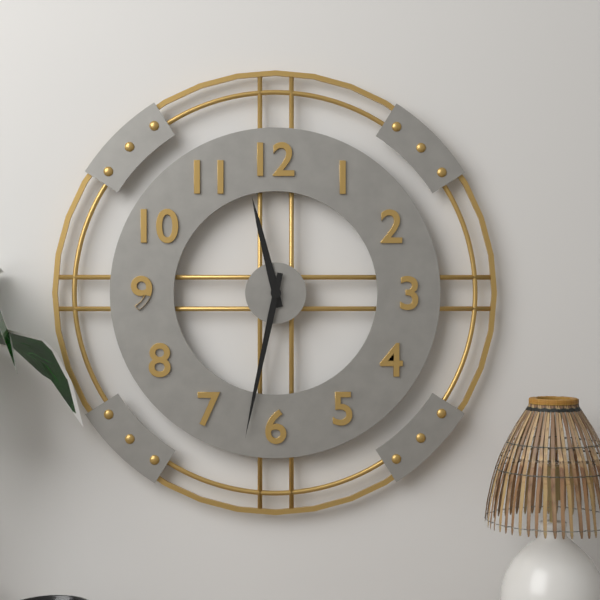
11:32
